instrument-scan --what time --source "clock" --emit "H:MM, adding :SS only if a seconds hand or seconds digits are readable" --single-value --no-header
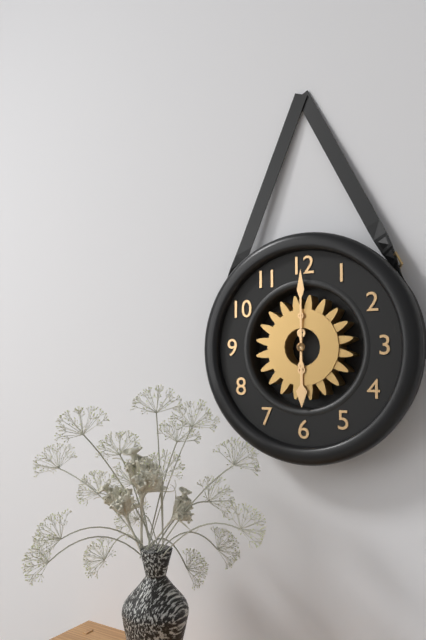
6:00
